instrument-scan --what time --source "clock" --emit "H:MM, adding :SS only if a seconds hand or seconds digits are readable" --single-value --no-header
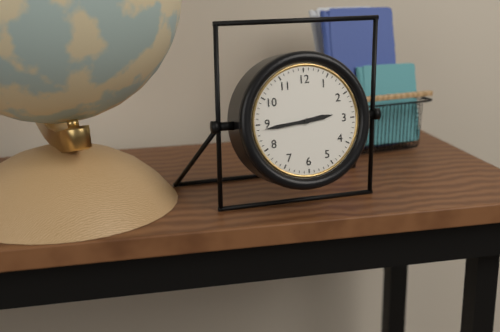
2:44
